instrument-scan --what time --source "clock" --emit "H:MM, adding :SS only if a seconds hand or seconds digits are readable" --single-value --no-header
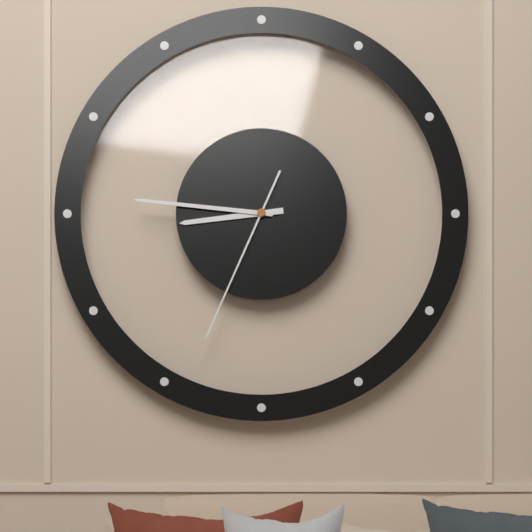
8:46:34
